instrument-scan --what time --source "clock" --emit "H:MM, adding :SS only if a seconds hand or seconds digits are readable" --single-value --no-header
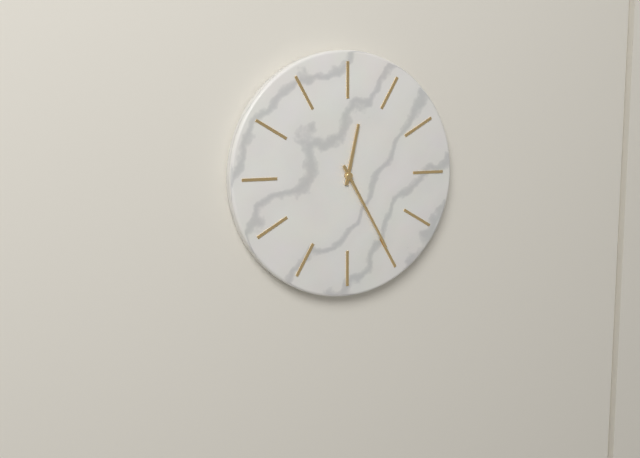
12:25
